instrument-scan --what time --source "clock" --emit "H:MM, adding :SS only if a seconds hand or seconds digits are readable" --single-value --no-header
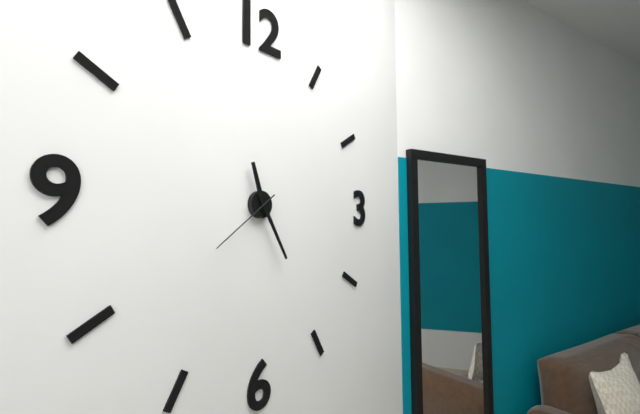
11:25:39
